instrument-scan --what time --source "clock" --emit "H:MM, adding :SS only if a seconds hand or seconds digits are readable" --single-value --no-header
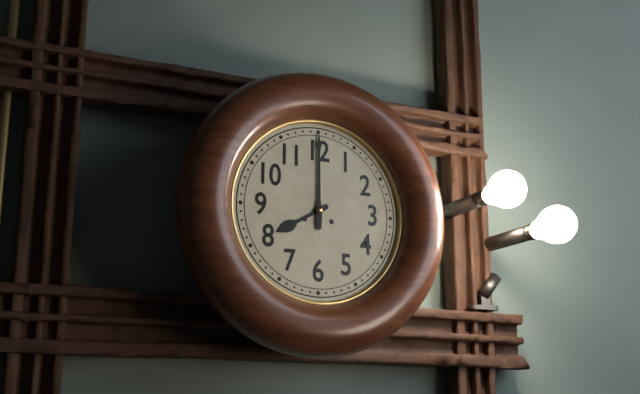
8:00
